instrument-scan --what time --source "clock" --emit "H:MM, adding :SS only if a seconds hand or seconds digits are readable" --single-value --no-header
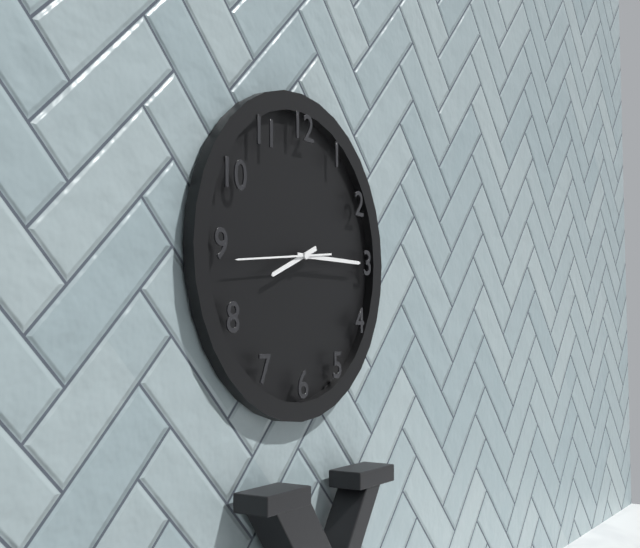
8:15:44
